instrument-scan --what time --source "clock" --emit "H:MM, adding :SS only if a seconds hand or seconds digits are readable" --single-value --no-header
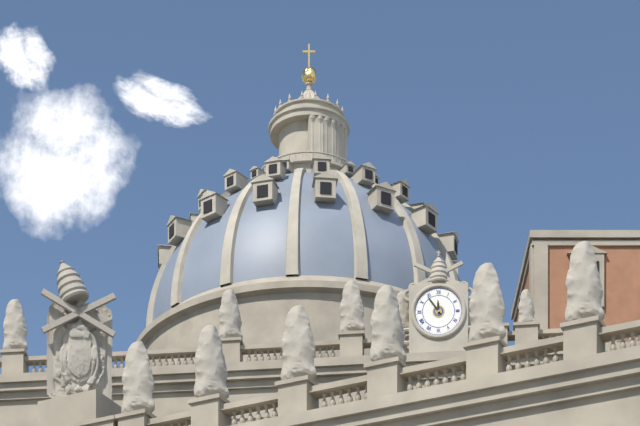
11:54
